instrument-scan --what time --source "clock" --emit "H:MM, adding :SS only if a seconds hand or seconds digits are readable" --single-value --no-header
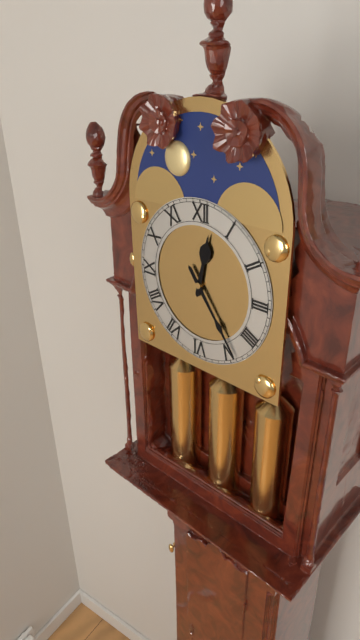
12:24
